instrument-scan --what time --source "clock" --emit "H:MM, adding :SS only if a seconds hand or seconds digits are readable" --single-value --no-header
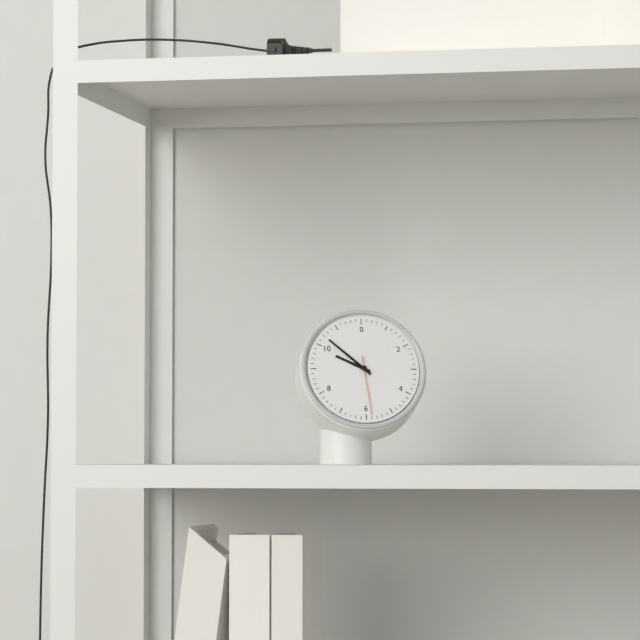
9:52:29
